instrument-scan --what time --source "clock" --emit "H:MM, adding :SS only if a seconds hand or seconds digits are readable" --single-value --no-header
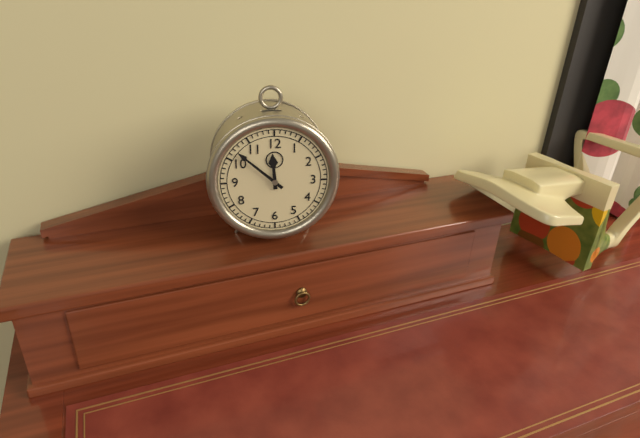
11:52
